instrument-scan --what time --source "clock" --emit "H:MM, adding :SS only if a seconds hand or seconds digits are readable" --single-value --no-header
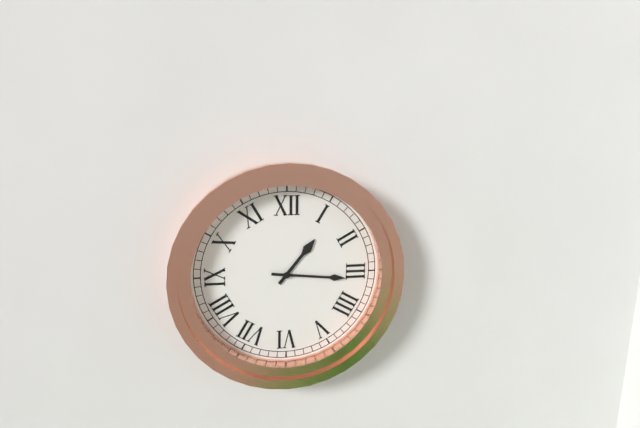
1:16
